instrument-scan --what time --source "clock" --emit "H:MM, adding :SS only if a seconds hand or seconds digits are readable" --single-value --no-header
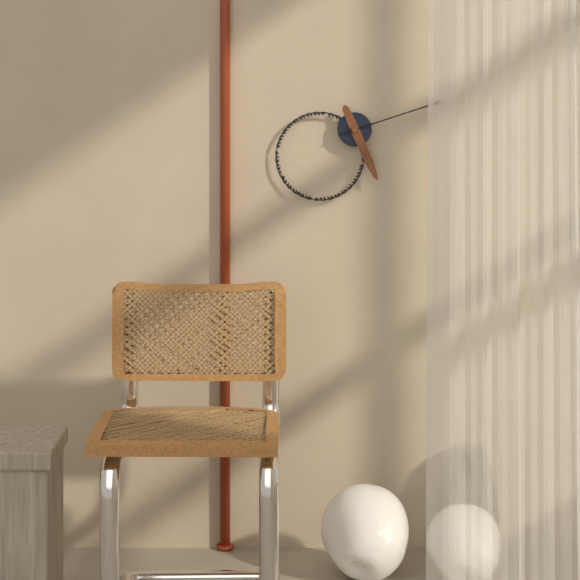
5:12
